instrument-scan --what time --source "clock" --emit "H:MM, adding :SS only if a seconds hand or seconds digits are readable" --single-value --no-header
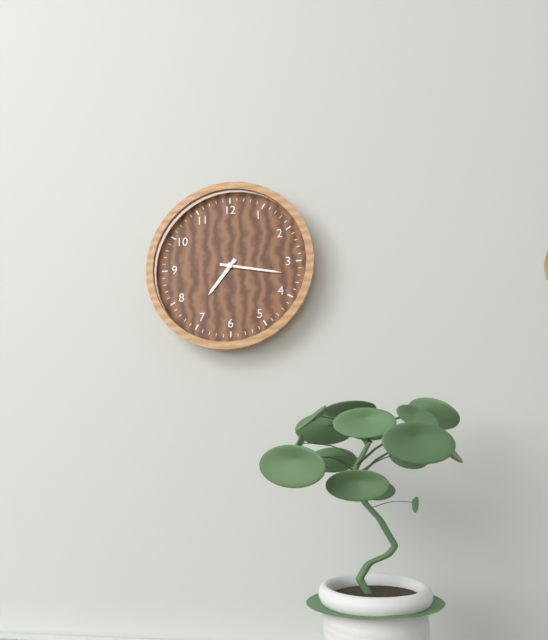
7:17
